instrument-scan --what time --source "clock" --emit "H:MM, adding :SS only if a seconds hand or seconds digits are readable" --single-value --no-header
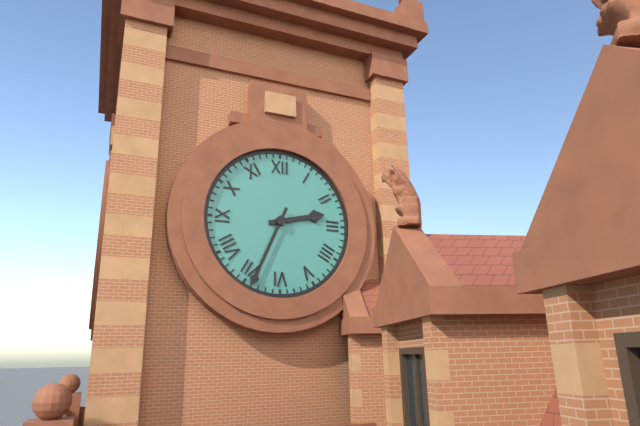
2:34
